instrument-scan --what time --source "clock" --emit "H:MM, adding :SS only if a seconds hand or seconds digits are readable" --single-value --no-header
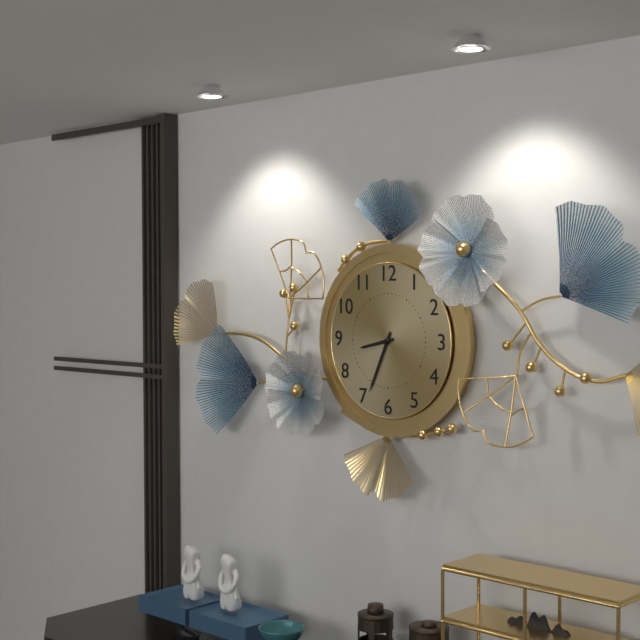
8:34
